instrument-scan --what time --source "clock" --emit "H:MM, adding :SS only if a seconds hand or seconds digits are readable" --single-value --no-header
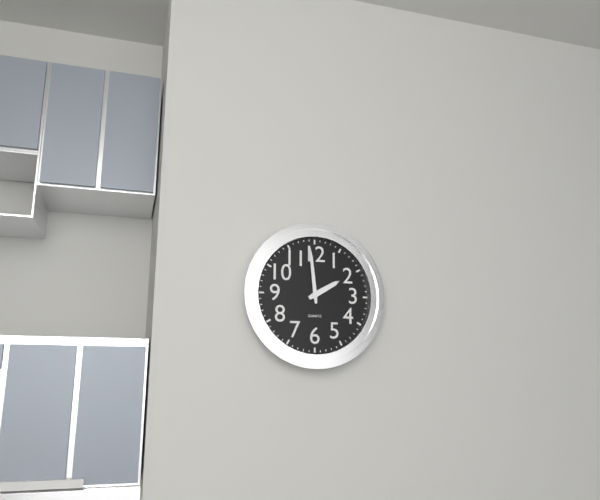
1:59
